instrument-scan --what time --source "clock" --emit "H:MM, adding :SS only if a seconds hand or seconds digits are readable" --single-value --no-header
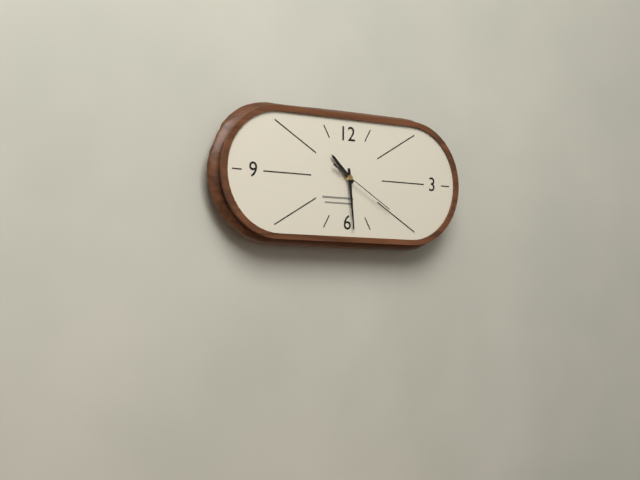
10:29:20
